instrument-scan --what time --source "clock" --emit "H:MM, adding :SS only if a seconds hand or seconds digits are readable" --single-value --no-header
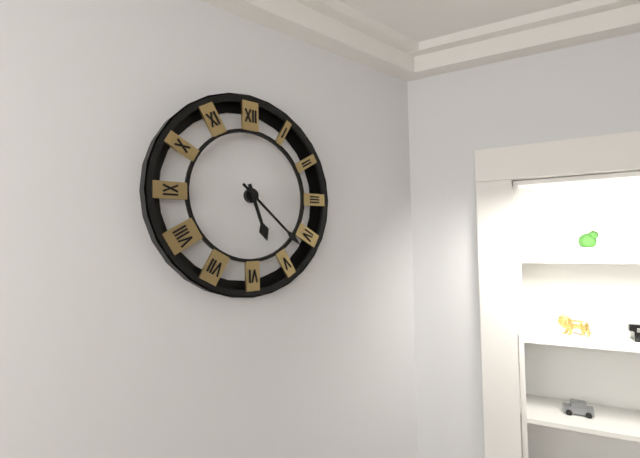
5:22
